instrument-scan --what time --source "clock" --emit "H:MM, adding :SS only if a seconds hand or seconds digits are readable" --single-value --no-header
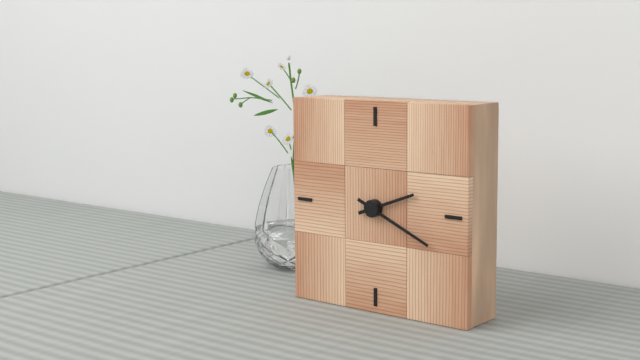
2:19
